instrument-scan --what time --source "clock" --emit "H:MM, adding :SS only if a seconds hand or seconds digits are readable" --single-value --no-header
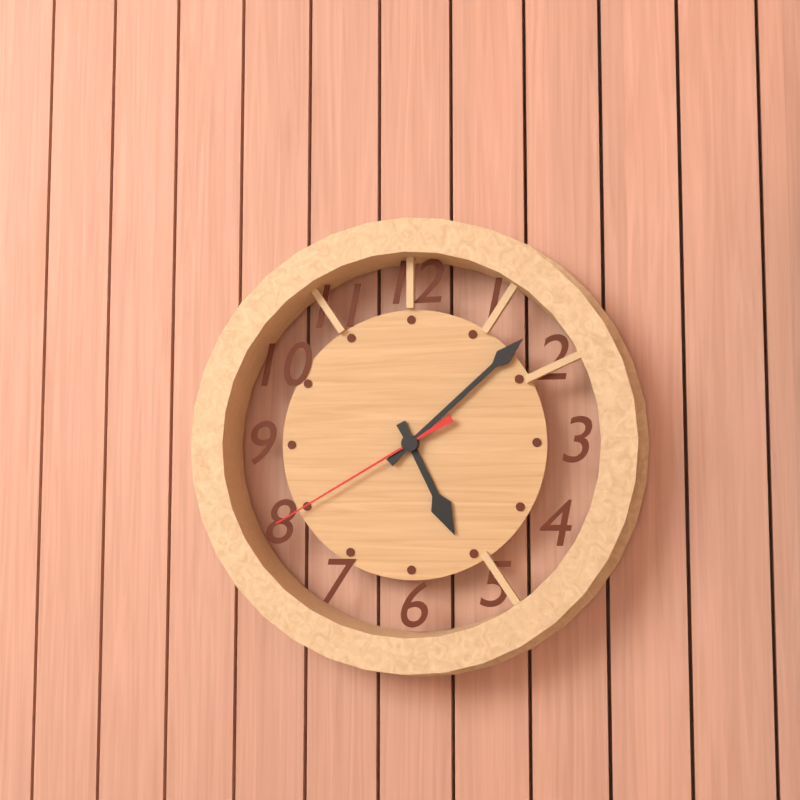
5:08:40
